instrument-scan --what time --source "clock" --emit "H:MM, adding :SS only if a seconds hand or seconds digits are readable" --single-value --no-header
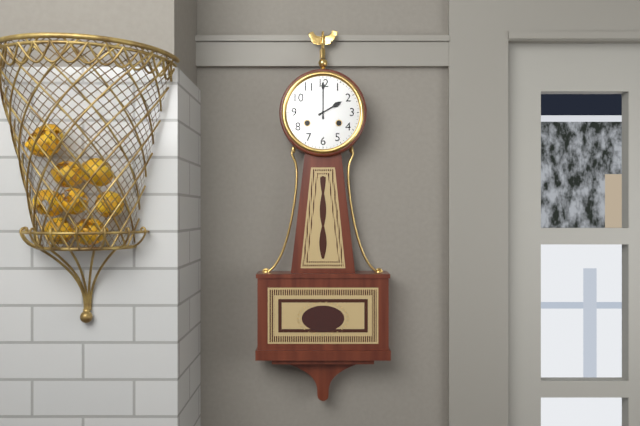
2:00
